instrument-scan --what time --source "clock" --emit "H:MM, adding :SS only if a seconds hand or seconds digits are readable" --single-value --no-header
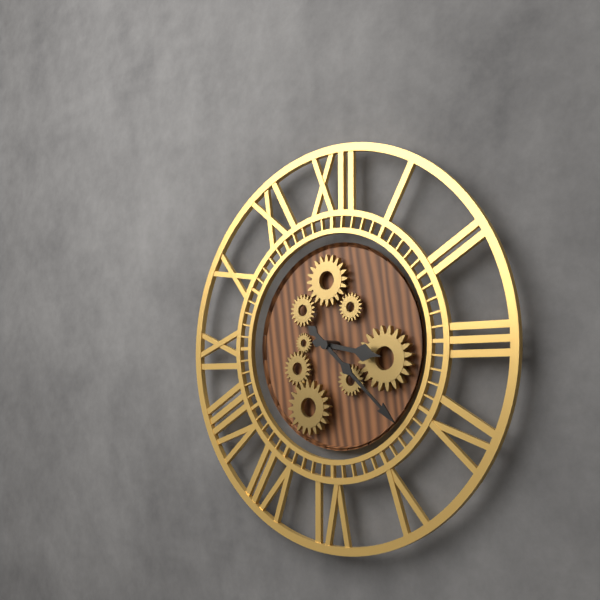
3:22
